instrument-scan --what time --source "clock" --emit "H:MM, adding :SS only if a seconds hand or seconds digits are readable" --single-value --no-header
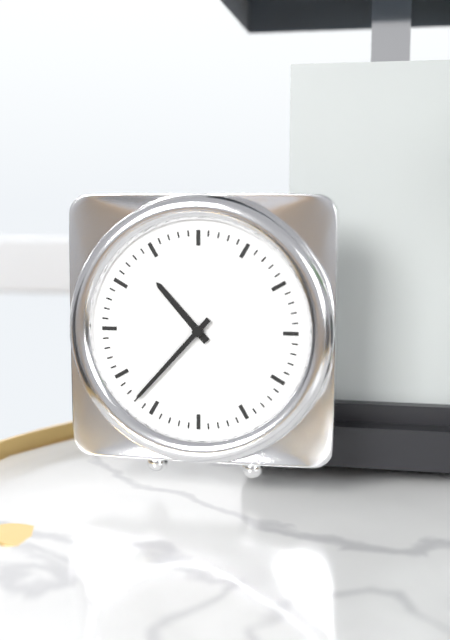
10:37
